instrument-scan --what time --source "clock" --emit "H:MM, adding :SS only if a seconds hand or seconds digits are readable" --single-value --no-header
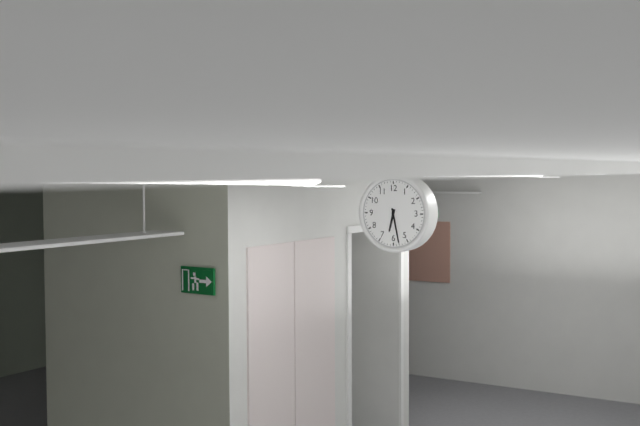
6:28
